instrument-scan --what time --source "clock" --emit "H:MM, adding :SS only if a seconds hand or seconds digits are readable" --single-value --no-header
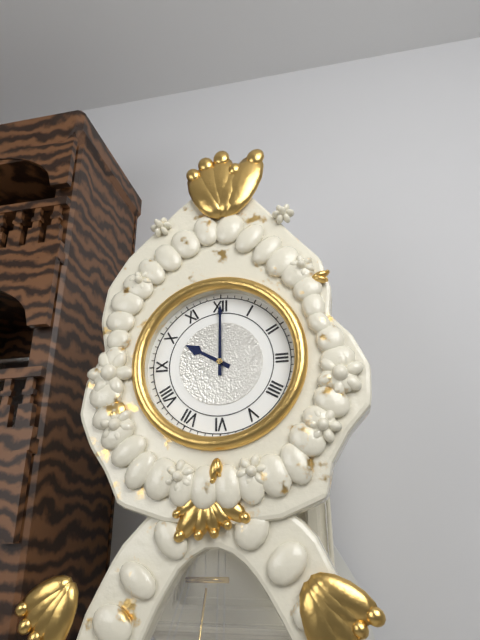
10:00
